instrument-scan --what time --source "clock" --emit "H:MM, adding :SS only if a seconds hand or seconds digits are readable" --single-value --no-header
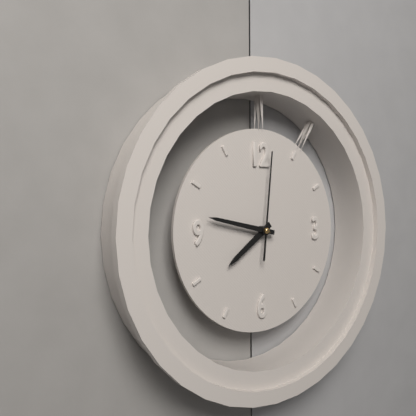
7:47:01
